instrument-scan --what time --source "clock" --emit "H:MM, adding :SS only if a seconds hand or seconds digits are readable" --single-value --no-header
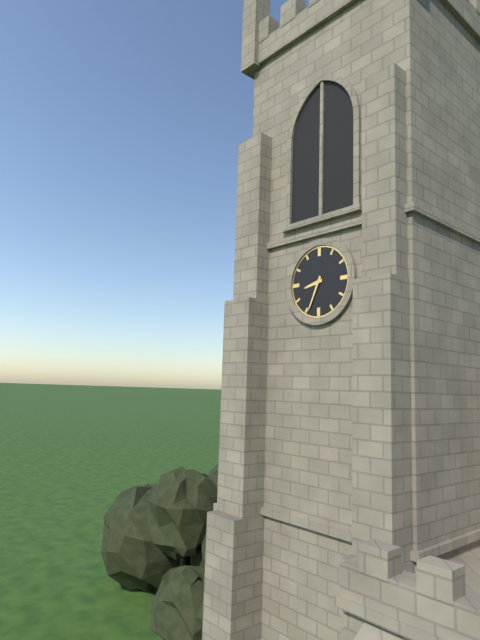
8:34
